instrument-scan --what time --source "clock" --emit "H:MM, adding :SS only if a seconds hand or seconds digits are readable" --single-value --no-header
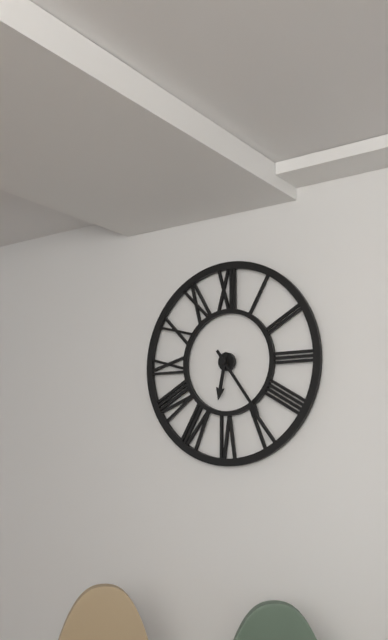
6:24
